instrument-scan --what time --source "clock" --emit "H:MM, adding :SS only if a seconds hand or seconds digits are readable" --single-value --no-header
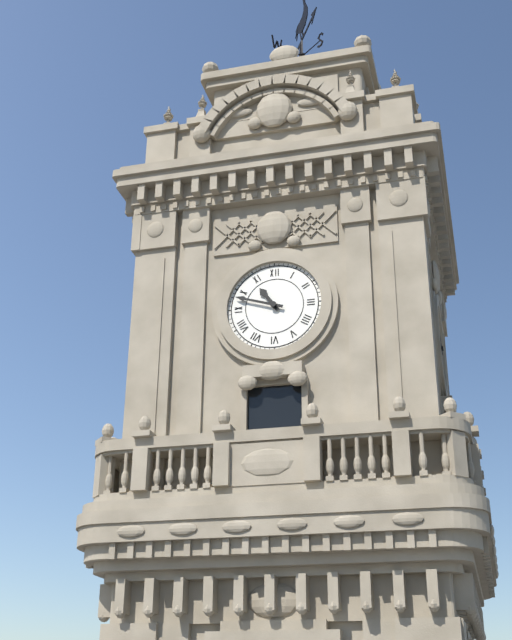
10:48
